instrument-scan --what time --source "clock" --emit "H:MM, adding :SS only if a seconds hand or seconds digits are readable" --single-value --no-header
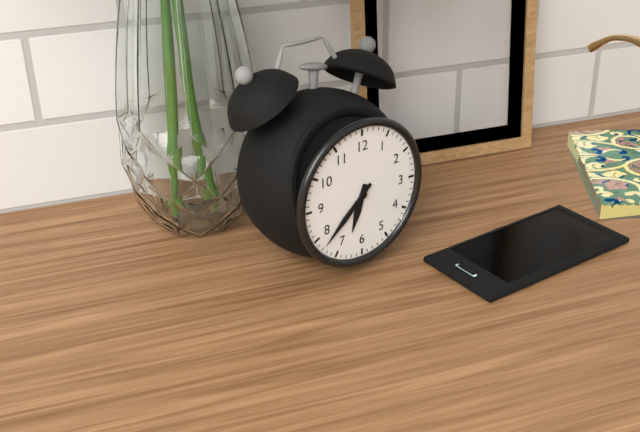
6:38
